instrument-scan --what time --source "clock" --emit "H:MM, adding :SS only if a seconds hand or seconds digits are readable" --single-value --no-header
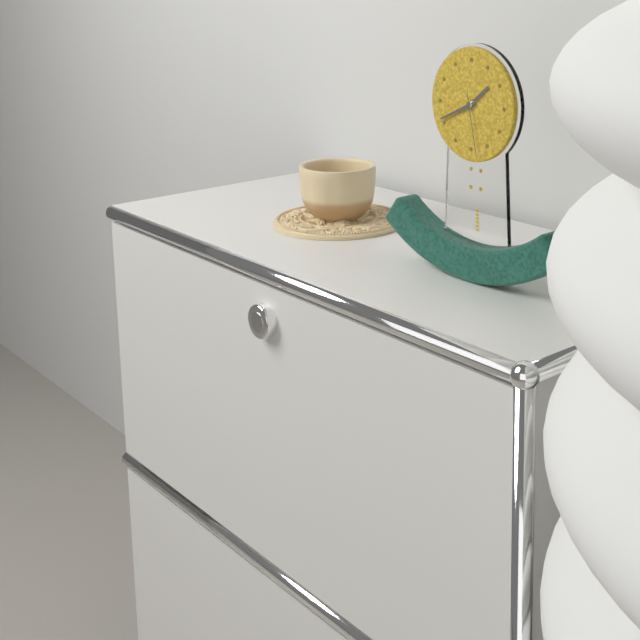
1:41:28
